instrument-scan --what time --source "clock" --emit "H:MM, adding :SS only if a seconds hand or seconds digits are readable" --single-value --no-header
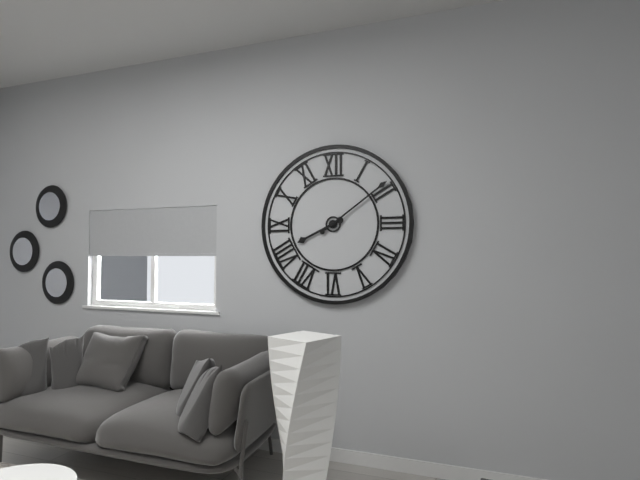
8:09
